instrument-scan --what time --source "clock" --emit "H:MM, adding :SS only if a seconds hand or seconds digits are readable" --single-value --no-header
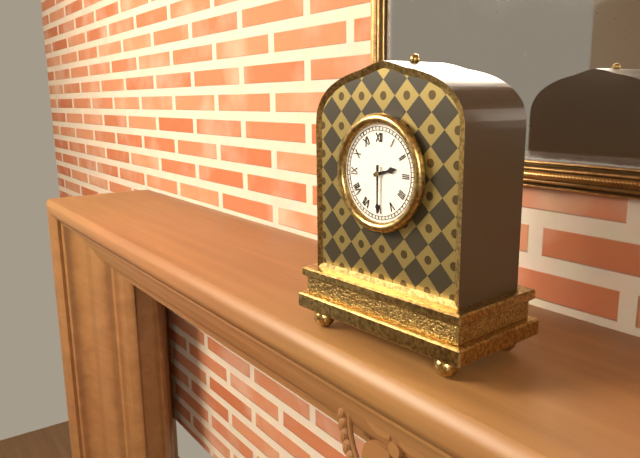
2:30
